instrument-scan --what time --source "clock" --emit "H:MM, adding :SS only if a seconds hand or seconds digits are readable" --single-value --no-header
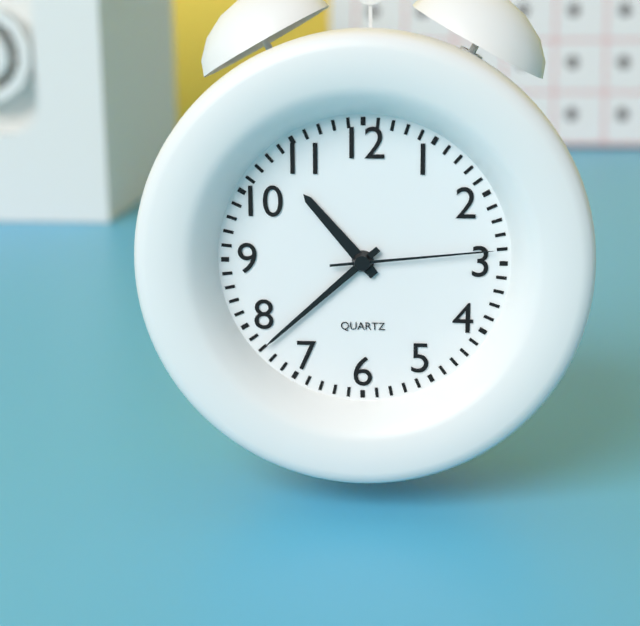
10:38:14
